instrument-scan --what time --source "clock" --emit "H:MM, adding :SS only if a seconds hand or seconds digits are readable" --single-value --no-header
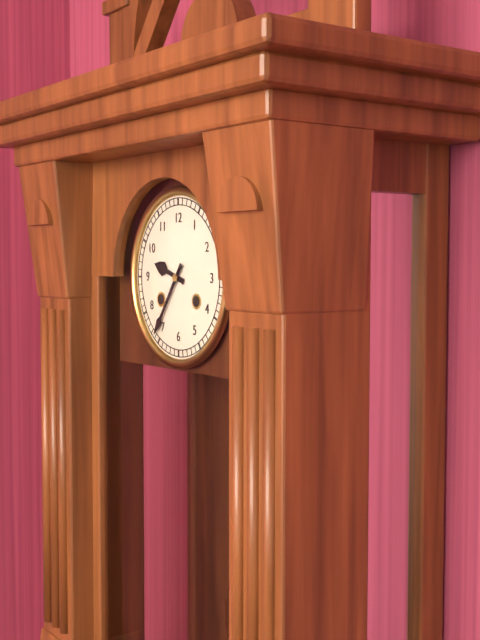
9:36
